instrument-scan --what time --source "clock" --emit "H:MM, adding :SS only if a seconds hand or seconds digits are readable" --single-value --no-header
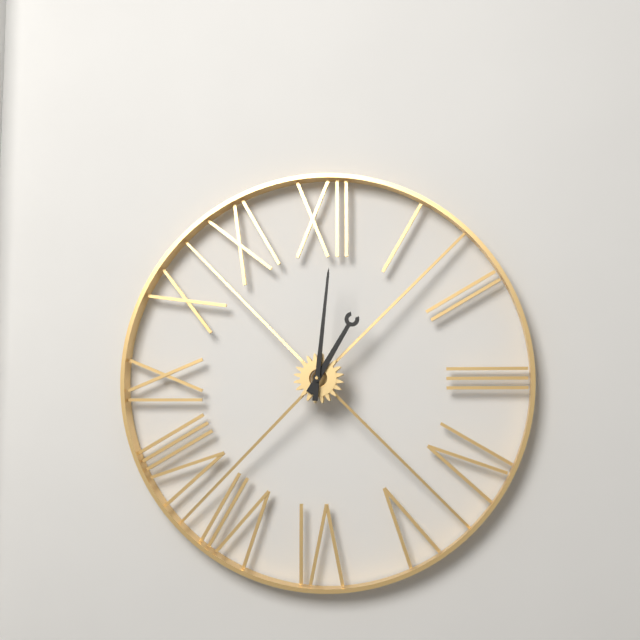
1:01
